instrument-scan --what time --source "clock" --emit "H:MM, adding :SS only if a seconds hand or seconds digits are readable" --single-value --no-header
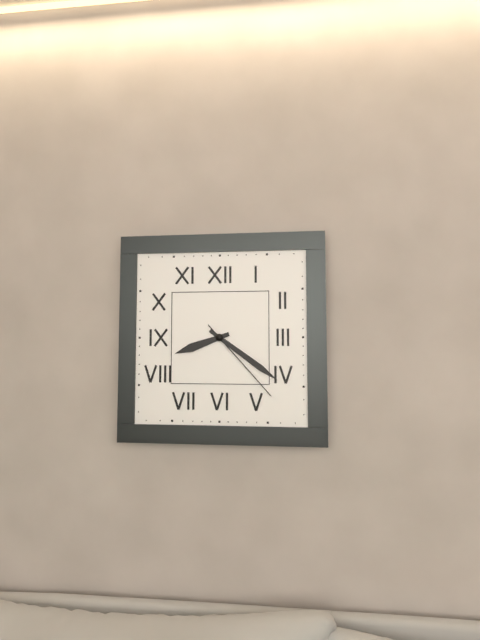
8:21:23
